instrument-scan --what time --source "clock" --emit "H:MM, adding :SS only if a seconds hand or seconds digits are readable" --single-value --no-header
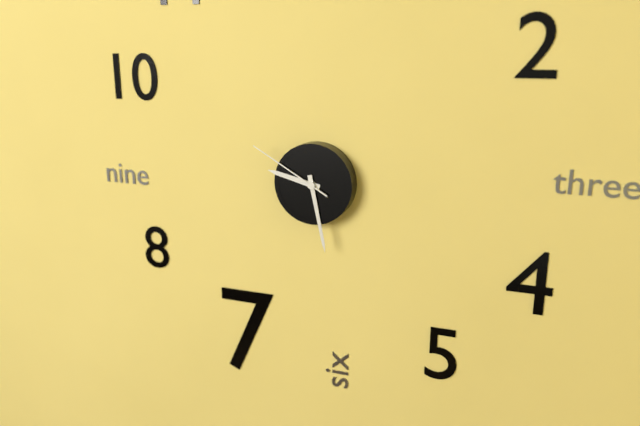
9:28:50
